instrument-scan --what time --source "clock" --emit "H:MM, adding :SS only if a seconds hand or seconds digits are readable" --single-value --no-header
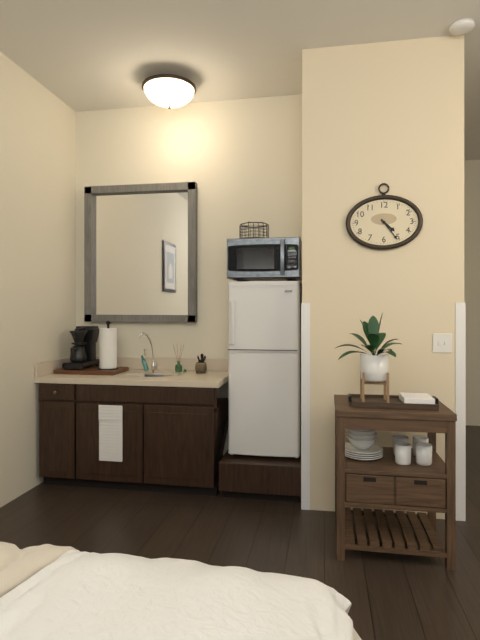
4:24
